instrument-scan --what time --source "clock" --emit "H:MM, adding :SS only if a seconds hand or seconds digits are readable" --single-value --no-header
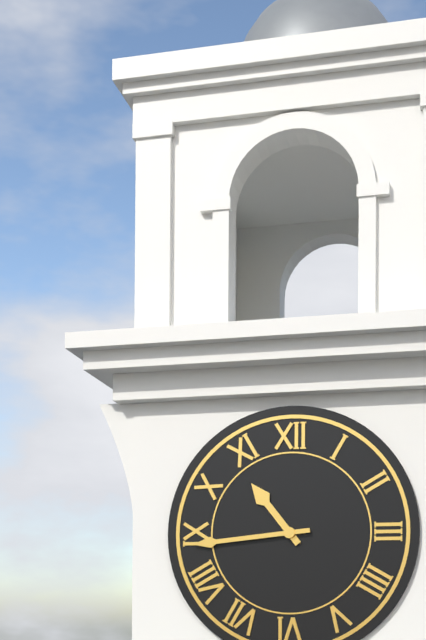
10:44
